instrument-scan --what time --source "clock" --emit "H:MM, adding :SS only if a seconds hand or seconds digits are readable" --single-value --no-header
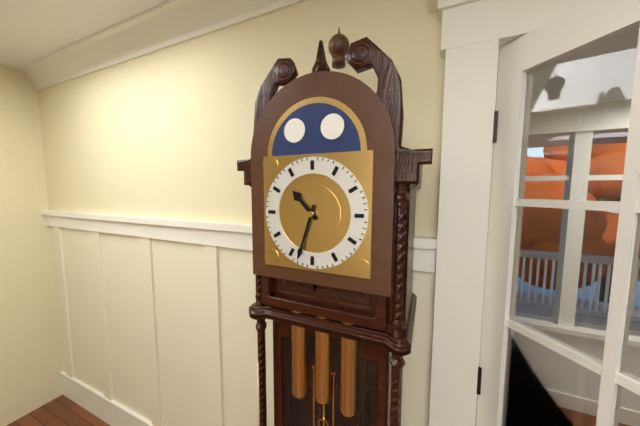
10:33
